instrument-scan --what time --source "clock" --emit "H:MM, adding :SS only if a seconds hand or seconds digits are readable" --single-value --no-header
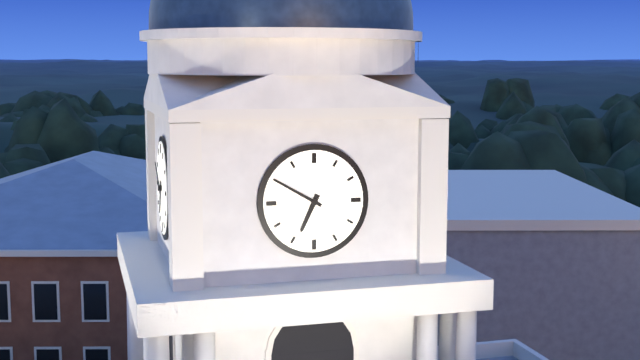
6:50
